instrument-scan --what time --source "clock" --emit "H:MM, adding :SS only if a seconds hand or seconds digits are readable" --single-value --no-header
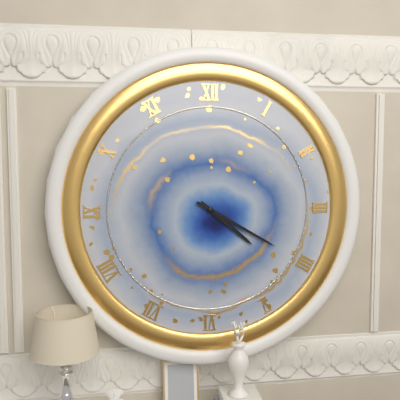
4:20
